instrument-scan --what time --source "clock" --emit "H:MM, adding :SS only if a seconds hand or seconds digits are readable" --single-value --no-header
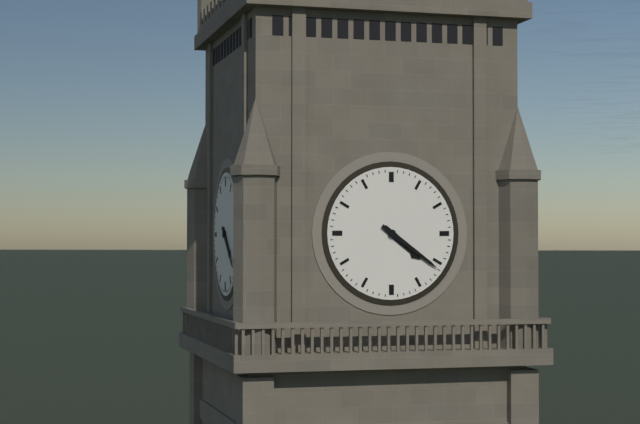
4:21
